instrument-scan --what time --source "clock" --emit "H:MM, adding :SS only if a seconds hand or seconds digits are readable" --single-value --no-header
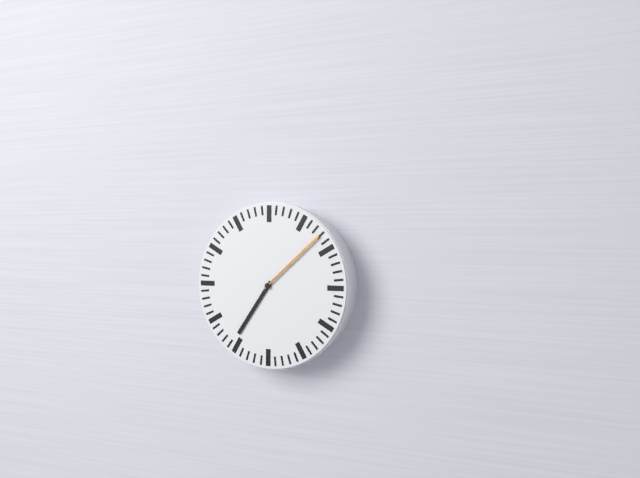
7:08
